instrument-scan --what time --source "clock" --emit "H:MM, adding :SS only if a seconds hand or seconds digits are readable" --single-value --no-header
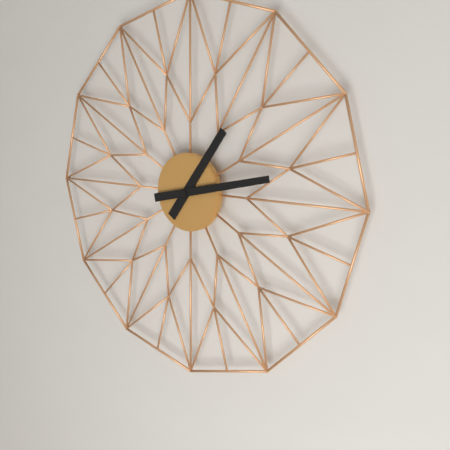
1:13
